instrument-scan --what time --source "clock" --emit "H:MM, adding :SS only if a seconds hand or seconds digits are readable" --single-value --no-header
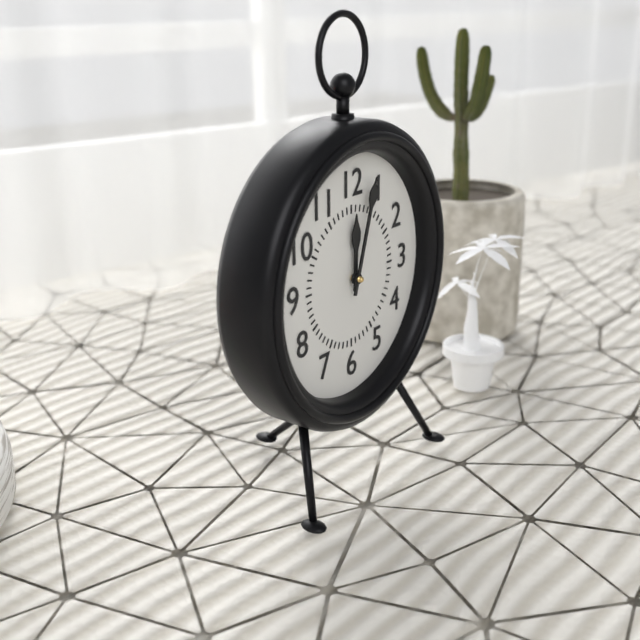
12:03
